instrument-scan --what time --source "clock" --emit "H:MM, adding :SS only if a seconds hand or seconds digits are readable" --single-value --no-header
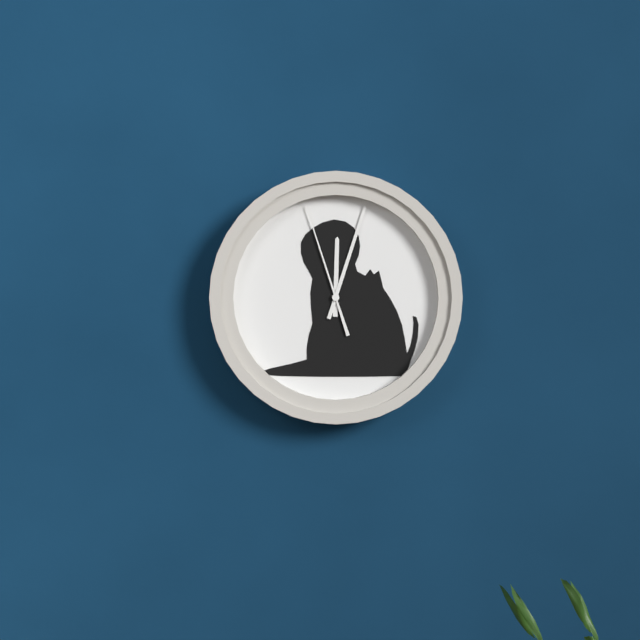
12:03:57
